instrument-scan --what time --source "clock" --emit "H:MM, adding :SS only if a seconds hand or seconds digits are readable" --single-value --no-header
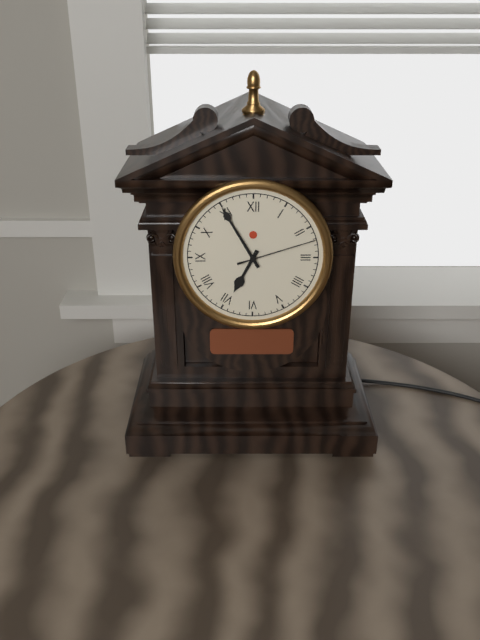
6:55:12
